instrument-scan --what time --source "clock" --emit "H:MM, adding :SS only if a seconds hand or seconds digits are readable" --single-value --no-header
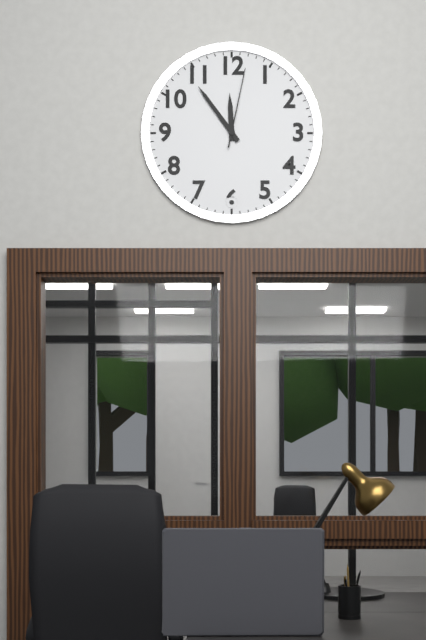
11:54:02
